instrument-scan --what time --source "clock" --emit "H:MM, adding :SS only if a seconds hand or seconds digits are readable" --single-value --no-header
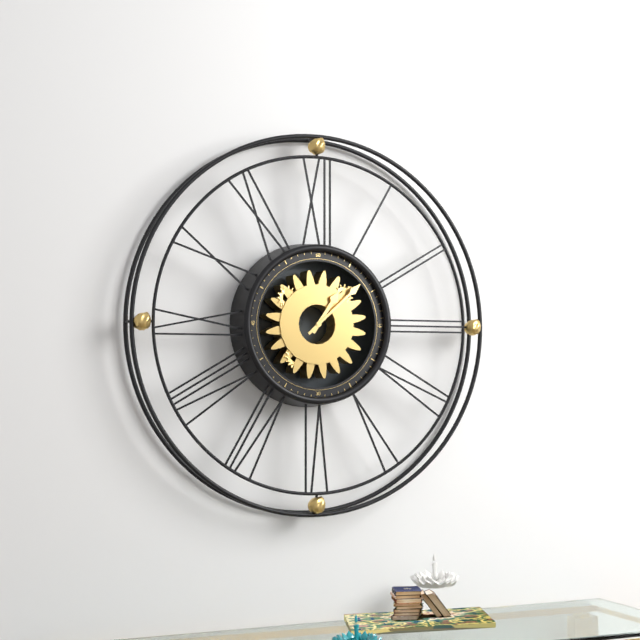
1:08
